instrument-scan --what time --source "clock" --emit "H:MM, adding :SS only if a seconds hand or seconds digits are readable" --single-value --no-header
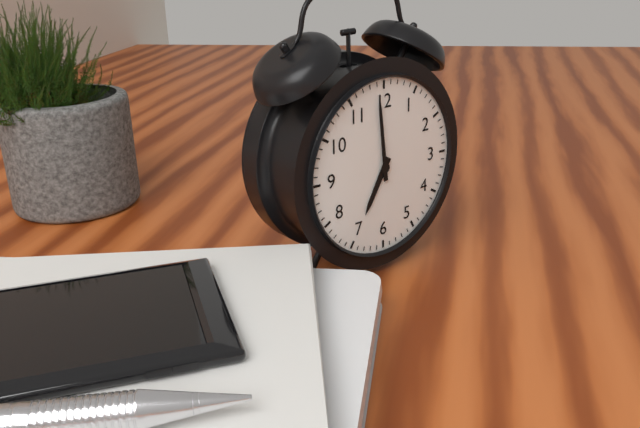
6:59
